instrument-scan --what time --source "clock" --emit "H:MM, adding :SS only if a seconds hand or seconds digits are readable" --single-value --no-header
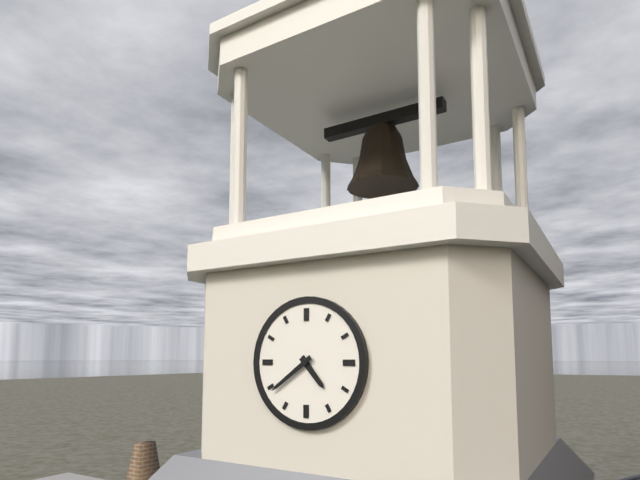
4:39
